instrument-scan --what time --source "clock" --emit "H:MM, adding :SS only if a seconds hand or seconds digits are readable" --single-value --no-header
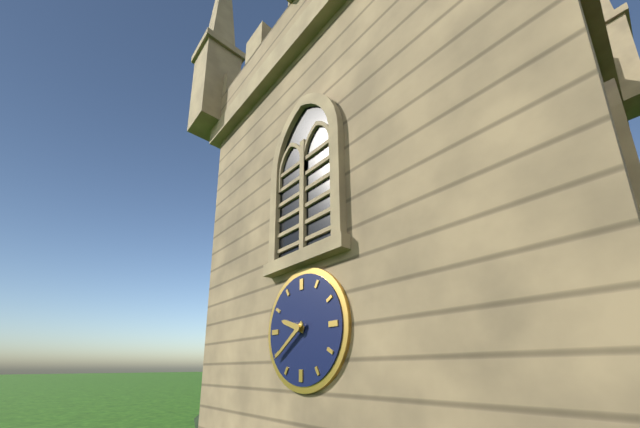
9:39
